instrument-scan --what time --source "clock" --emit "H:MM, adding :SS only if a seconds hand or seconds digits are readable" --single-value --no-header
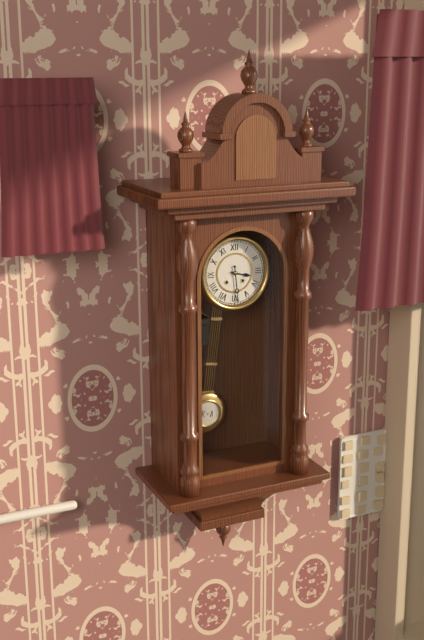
3:29
